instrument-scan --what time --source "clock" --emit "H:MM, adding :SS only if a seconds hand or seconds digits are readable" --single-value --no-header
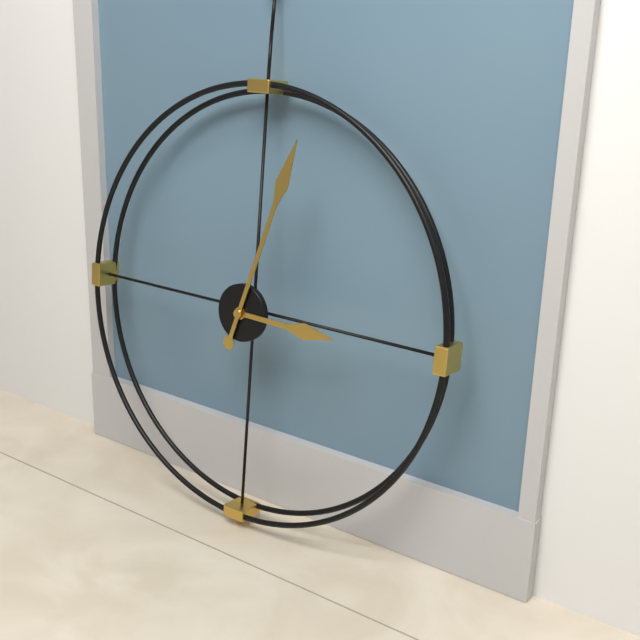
3:03
